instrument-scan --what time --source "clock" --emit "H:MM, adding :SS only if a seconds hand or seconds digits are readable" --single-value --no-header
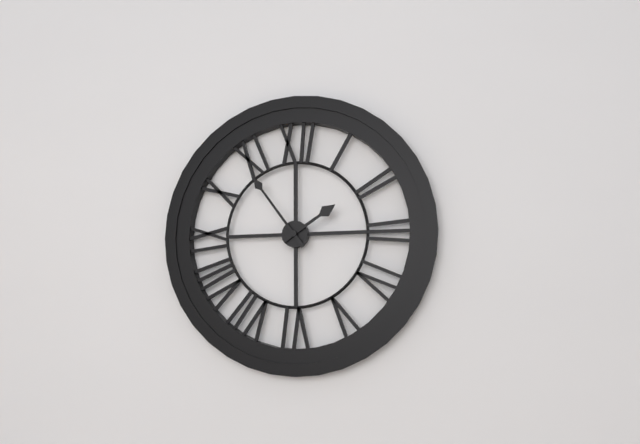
1:54
